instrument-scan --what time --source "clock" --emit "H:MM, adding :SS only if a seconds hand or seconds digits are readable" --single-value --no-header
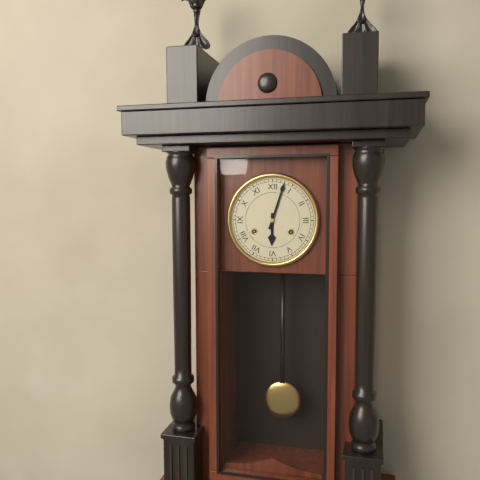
6:03
